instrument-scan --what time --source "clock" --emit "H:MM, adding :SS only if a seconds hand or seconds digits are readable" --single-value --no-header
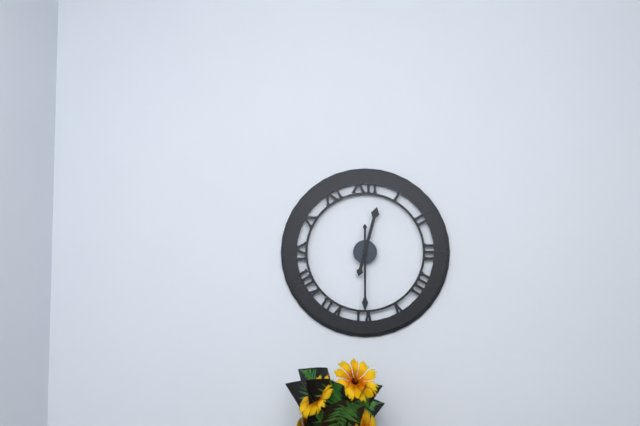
12:30
